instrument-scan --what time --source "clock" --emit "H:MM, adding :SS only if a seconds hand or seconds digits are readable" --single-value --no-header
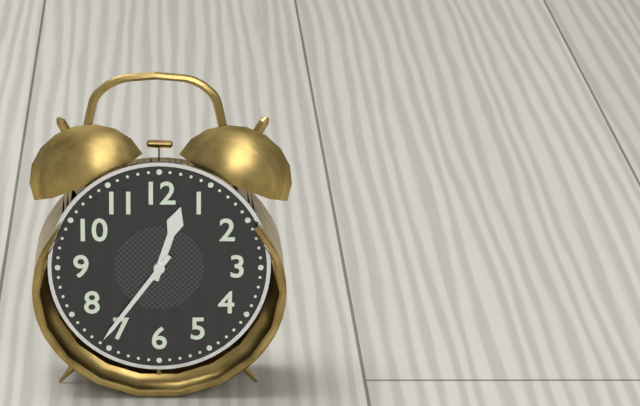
12:36
